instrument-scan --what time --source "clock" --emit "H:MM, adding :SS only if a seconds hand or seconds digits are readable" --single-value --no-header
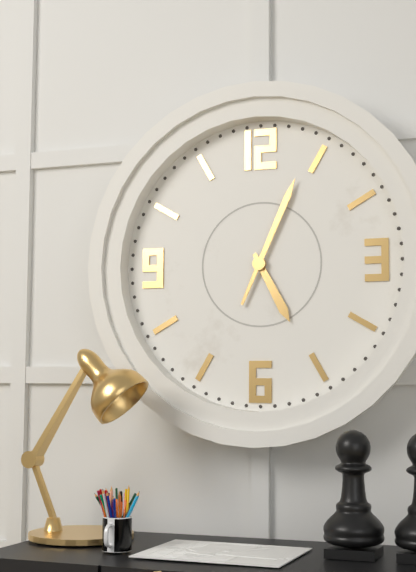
5:04
